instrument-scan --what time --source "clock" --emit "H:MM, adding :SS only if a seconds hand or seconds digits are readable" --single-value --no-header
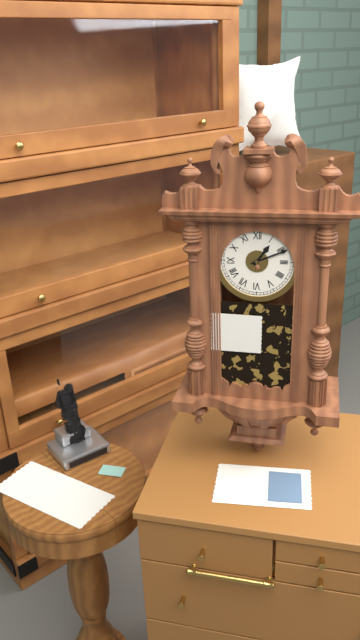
1:11
